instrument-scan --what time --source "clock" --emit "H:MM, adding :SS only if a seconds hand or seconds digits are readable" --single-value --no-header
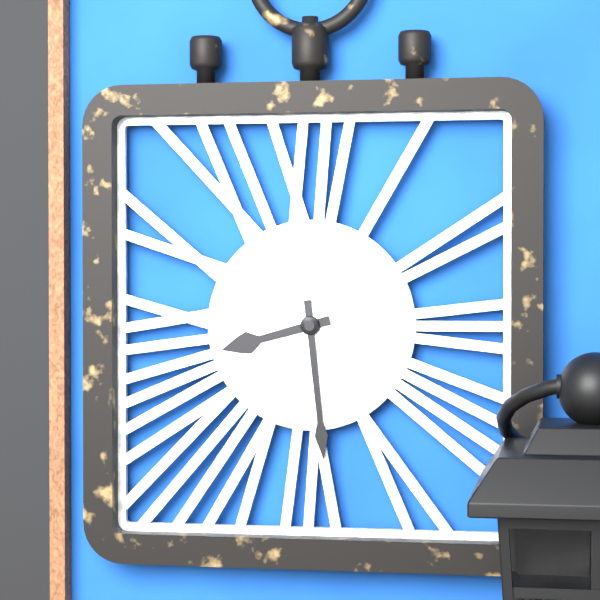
8:29
